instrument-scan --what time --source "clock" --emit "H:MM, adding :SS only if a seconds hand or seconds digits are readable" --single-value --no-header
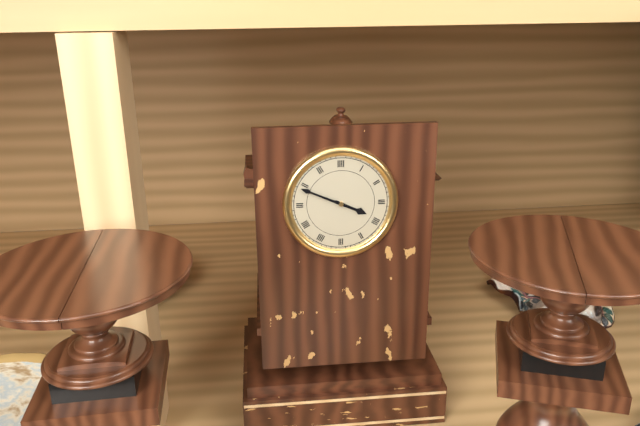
3:49
